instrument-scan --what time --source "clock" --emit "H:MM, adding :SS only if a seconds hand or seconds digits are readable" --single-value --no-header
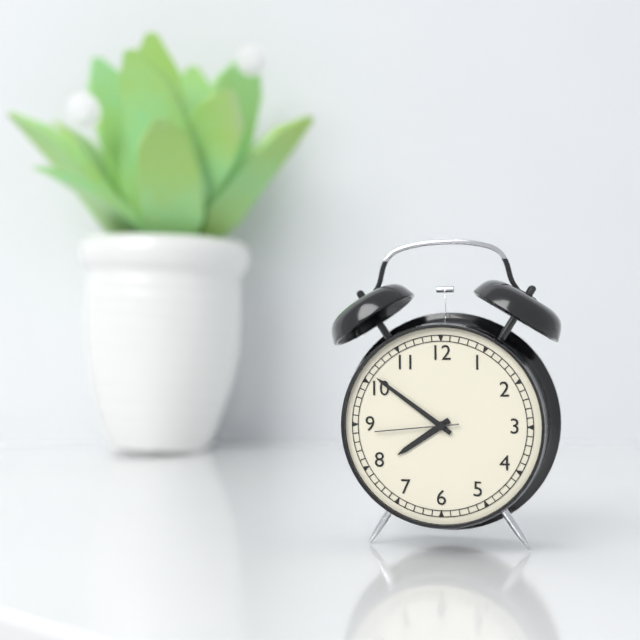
7:51:44
